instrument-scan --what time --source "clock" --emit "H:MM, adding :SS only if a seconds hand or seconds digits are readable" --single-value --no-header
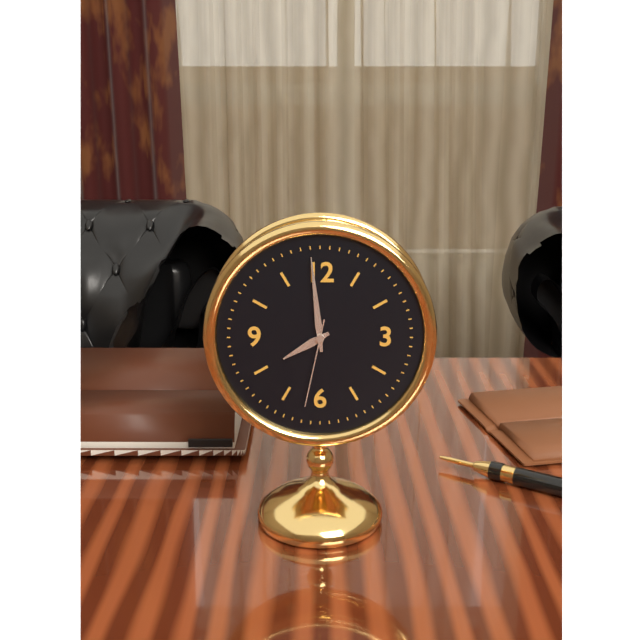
7:59:32
